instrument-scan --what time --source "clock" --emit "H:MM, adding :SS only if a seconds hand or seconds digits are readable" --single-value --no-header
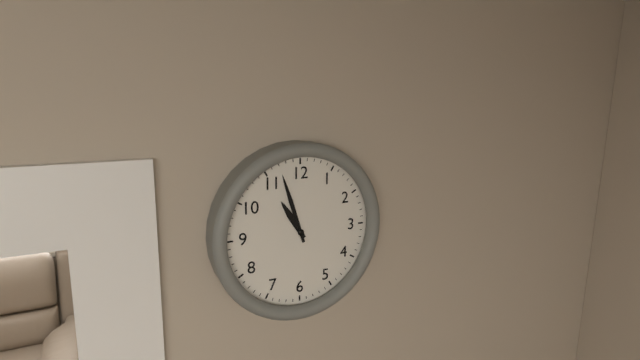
10:57
